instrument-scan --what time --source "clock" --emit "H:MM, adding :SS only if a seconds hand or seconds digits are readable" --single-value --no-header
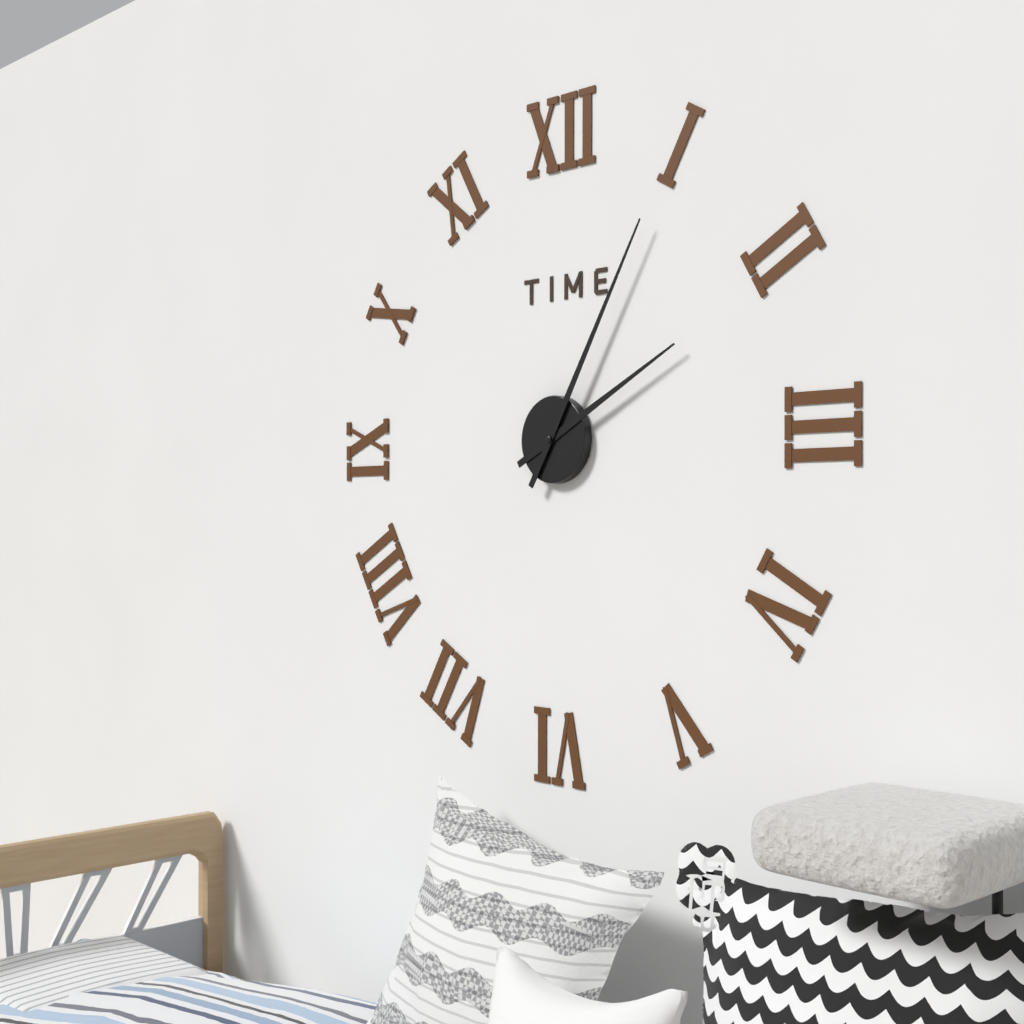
2:05
